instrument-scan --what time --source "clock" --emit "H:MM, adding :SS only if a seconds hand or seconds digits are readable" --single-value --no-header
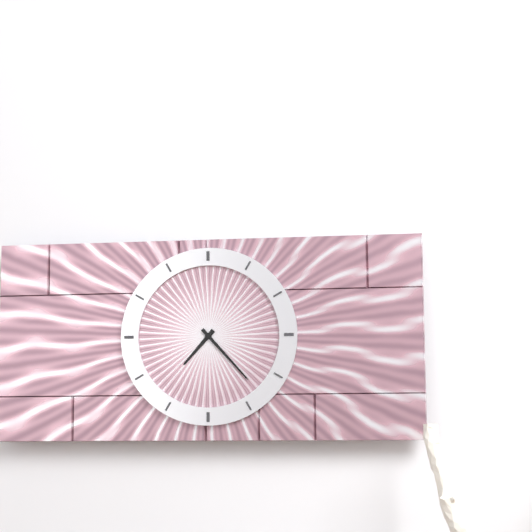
7:23
